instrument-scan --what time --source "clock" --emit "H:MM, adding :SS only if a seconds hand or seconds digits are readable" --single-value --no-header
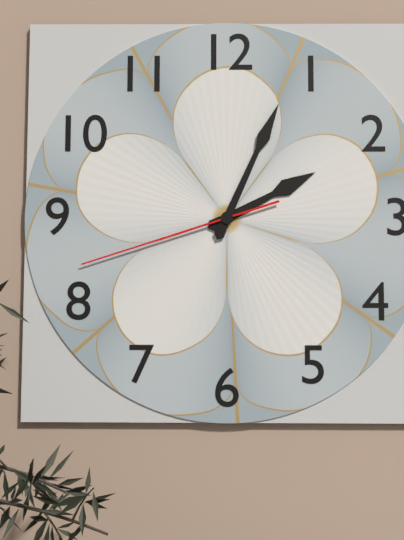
2:04:42
